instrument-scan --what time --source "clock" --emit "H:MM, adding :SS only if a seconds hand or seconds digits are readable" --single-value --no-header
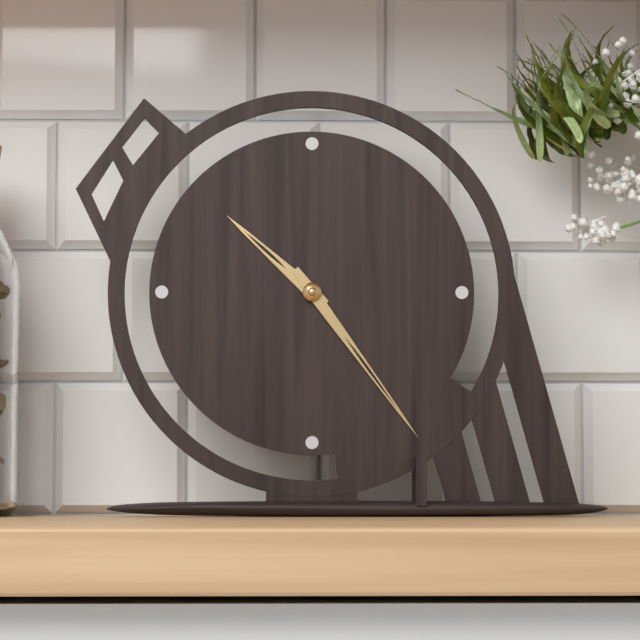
10:24
